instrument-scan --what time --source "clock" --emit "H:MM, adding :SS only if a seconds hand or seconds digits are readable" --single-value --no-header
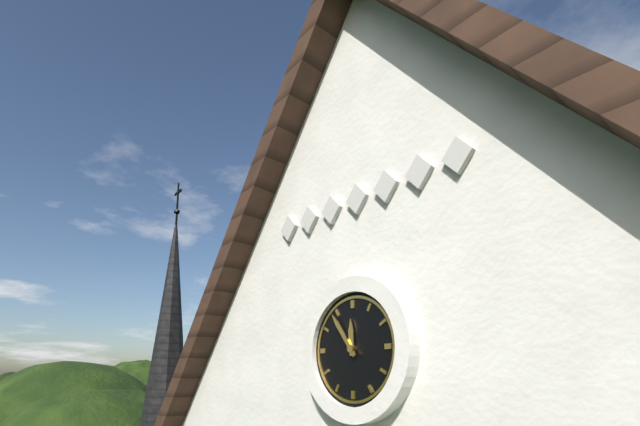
11:54
